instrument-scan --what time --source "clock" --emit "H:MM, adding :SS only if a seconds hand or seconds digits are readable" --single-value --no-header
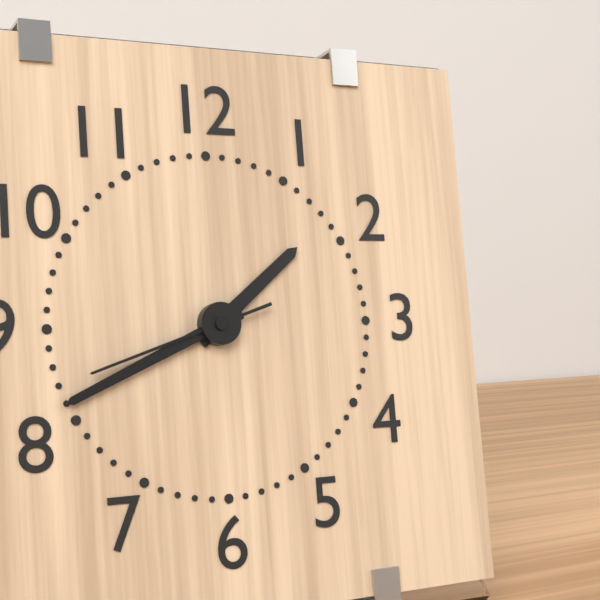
1:41:42
